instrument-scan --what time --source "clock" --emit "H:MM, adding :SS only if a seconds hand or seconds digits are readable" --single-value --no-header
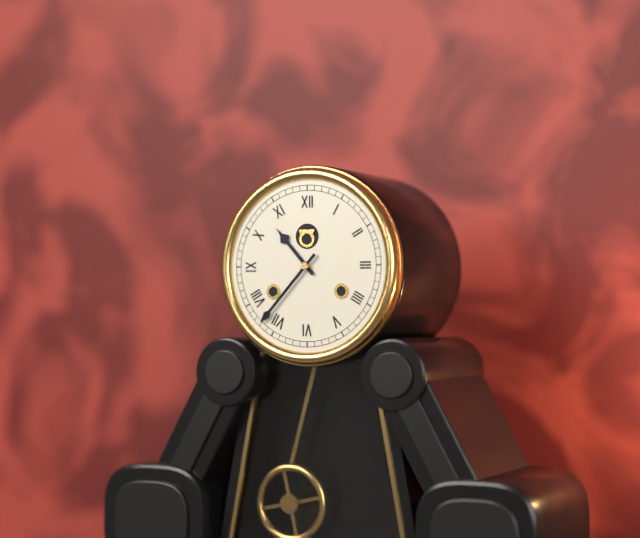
10:37
